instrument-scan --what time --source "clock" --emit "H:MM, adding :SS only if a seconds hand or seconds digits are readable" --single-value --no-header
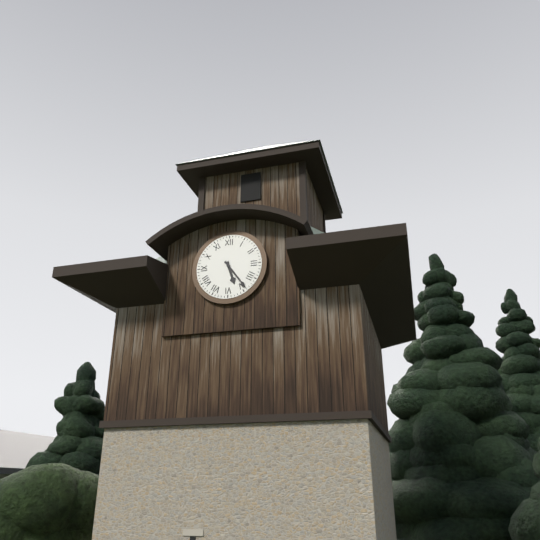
5:24
